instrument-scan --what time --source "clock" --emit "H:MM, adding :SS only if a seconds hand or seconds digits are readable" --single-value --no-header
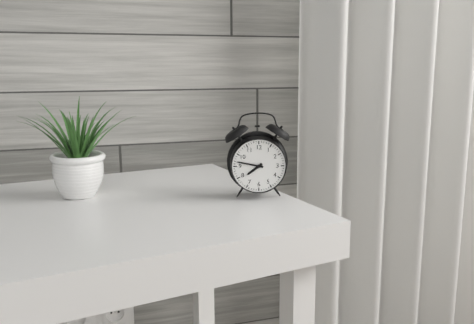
7:47
